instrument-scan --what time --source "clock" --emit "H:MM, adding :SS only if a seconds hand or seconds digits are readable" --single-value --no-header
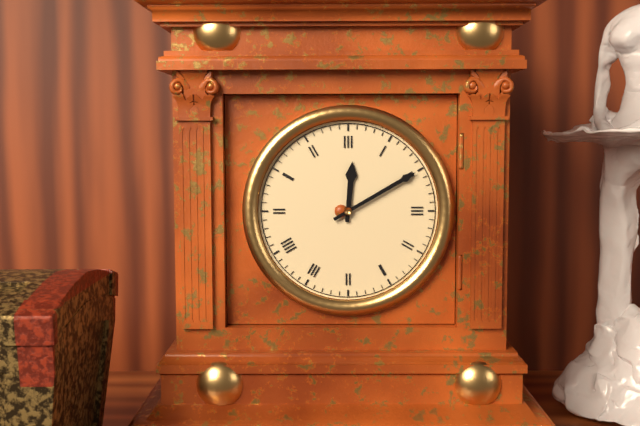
12:10
